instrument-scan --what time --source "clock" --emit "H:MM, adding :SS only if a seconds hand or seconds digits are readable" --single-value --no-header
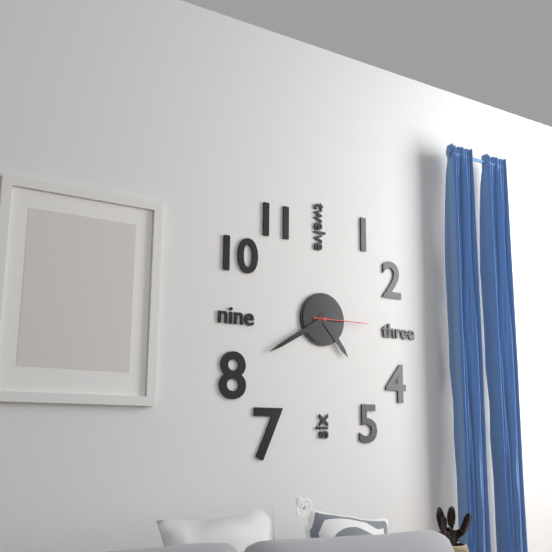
4:40:15
